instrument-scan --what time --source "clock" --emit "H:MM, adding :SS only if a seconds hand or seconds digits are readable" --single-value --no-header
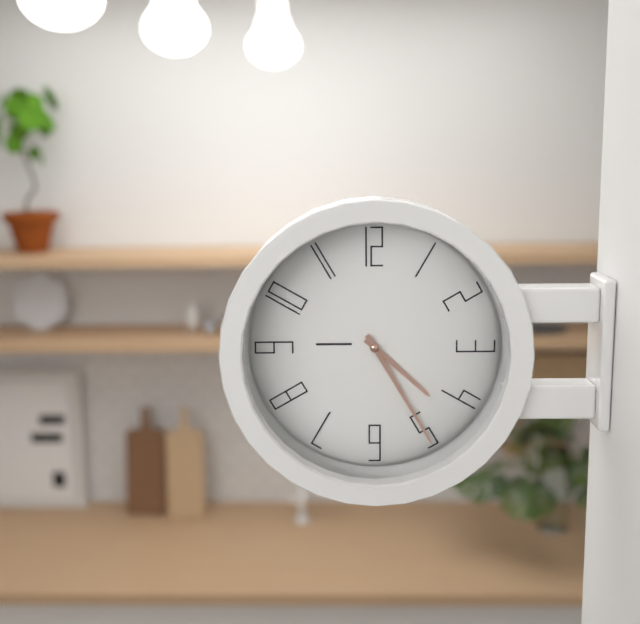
4:25
